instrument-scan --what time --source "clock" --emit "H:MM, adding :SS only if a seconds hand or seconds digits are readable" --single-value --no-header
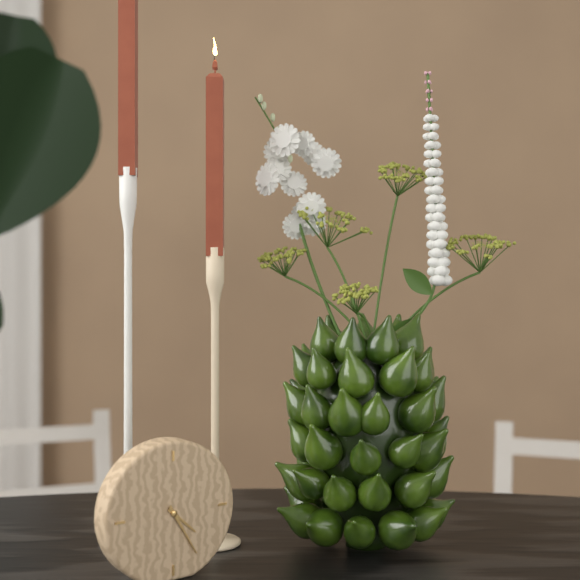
4:25
